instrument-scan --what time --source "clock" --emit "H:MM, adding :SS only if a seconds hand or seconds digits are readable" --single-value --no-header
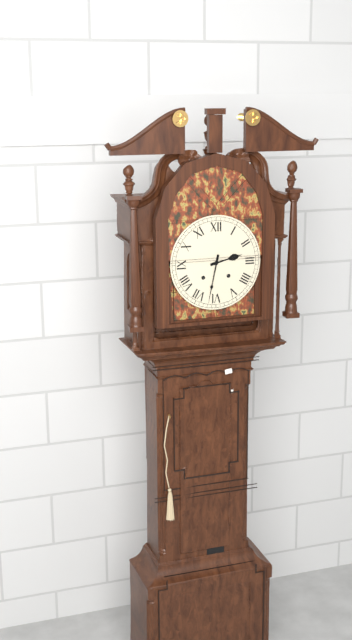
2:32
